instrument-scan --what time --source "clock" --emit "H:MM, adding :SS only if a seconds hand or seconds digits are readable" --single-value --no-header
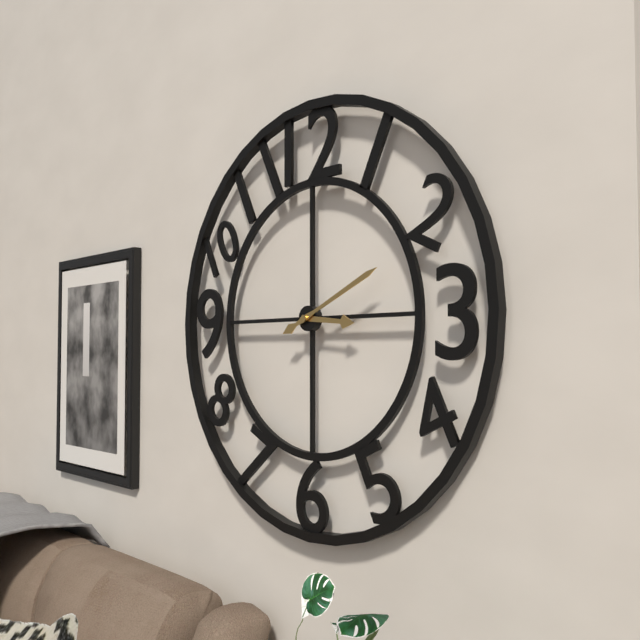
3:11
